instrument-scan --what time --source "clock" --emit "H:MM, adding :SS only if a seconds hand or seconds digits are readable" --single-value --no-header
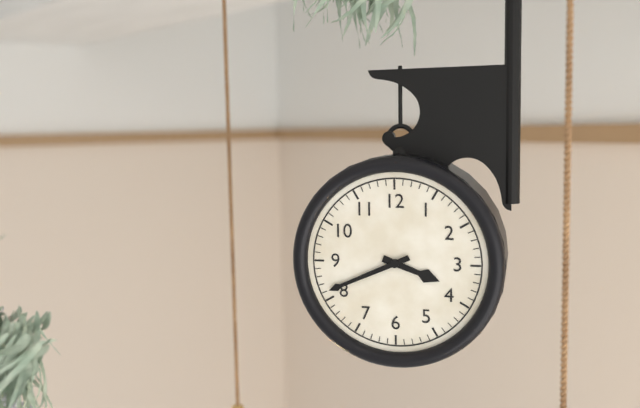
3:41
